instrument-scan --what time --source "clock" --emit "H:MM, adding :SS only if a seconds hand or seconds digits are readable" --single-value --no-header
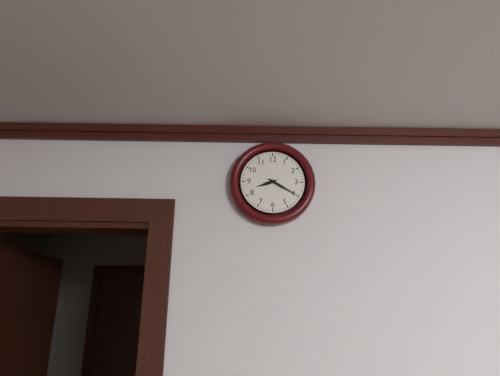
8:20
